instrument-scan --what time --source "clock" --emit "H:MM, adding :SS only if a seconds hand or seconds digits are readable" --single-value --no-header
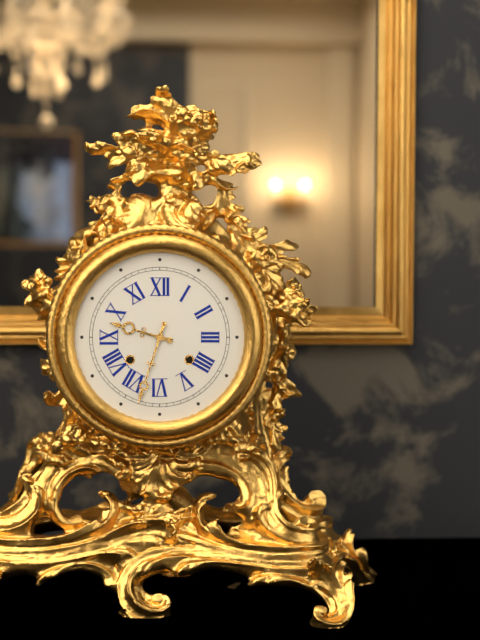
9:33
